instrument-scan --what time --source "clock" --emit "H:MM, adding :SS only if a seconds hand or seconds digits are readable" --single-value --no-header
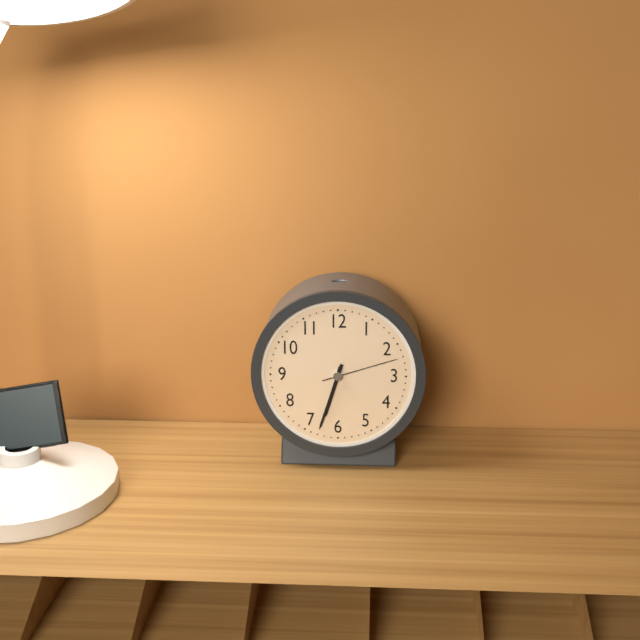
6:33:12
